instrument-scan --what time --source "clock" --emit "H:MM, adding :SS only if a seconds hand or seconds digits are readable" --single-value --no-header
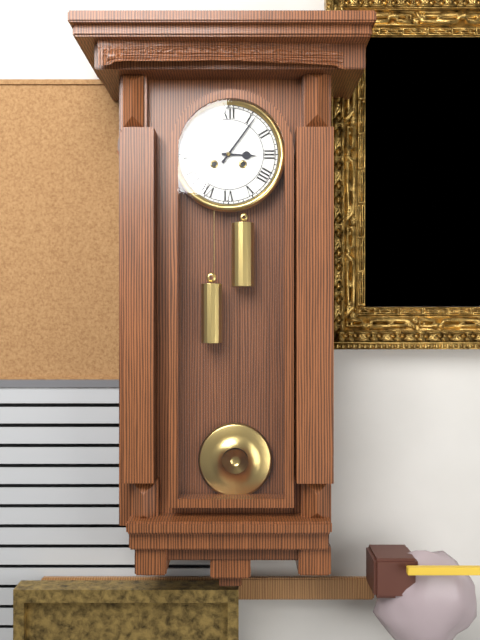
3:06
